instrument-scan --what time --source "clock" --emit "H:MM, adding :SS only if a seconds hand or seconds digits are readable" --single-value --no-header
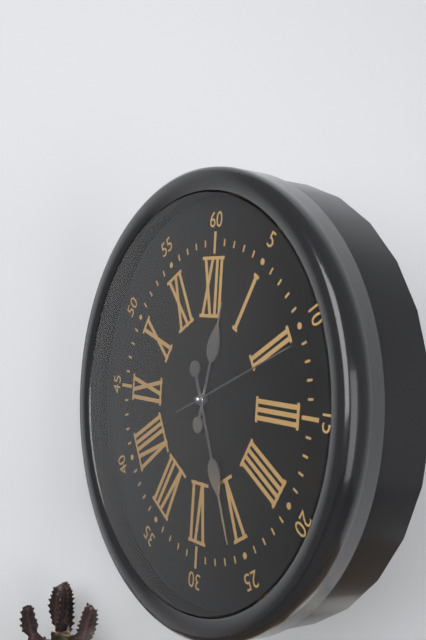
12:26:11
